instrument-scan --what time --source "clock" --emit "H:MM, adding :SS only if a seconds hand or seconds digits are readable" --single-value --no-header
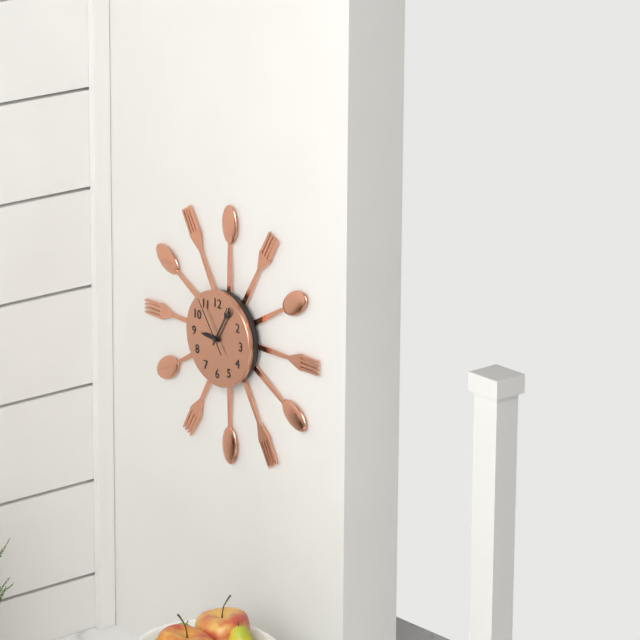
9:05:54
